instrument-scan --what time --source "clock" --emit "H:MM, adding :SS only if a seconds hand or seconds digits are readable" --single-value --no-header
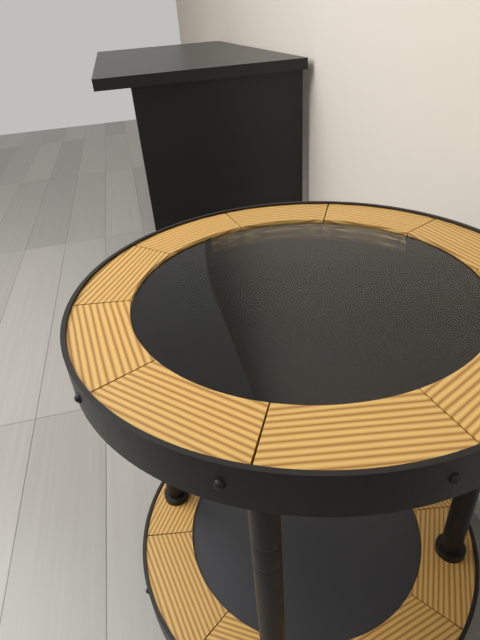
12:18
